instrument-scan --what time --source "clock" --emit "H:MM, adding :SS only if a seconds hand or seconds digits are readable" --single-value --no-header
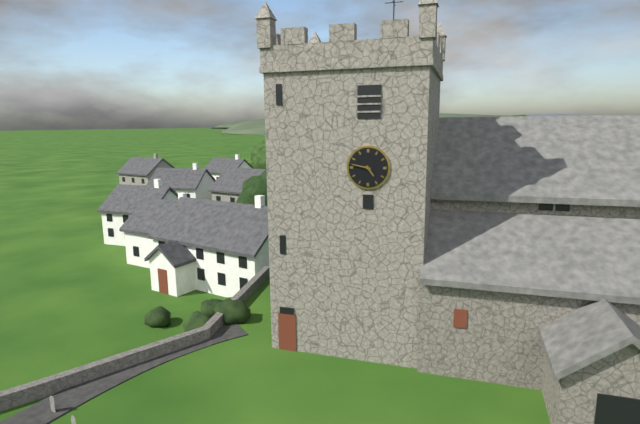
4:47
